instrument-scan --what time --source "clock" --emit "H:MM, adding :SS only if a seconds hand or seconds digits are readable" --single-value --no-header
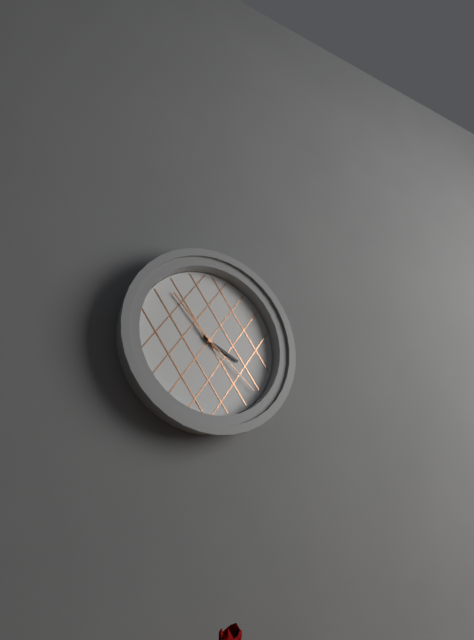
3:53:22
